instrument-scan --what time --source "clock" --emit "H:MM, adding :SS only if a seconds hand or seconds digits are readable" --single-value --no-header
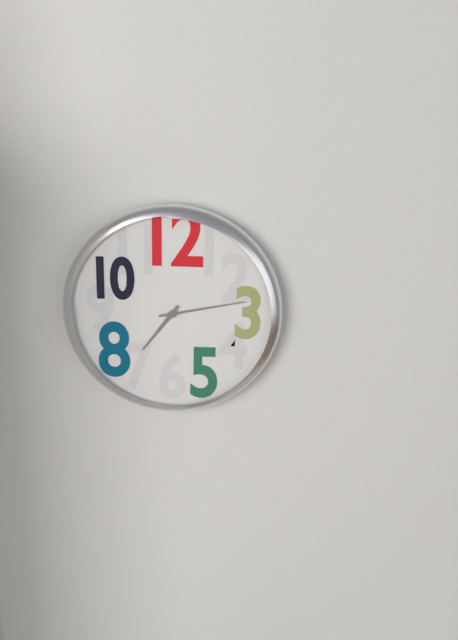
7:13
